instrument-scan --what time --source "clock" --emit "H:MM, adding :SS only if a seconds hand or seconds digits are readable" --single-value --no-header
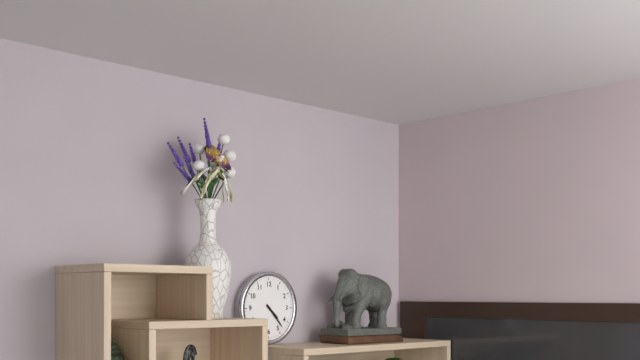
4:23
